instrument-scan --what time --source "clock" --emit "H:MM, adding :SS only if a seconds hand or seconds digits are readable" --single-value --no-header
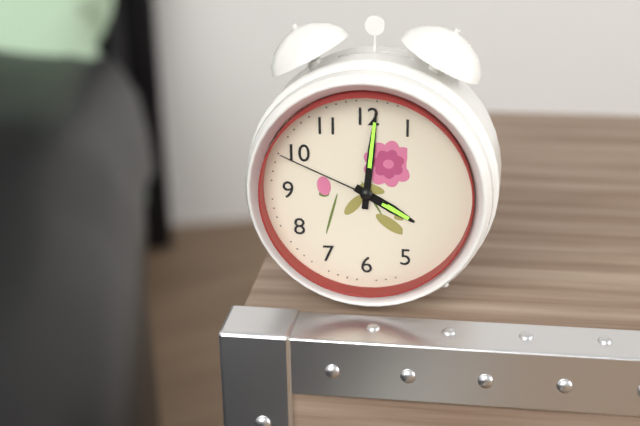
4:01:49
